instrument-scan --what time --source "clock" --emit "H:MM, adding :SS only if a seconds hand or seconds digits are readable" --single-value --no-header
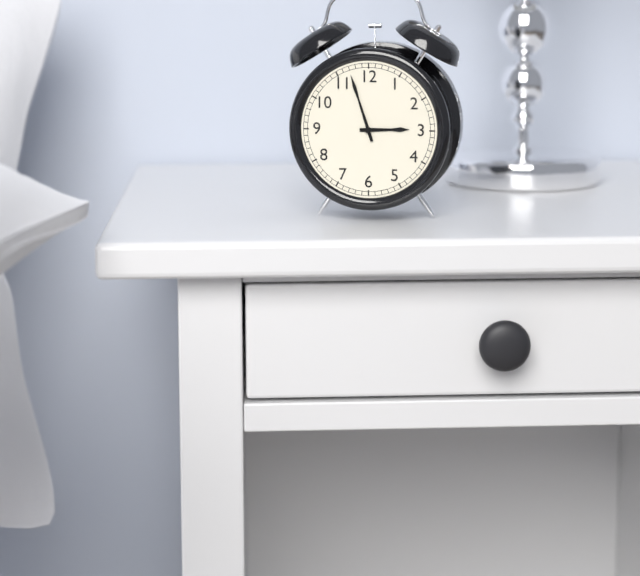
2:57
